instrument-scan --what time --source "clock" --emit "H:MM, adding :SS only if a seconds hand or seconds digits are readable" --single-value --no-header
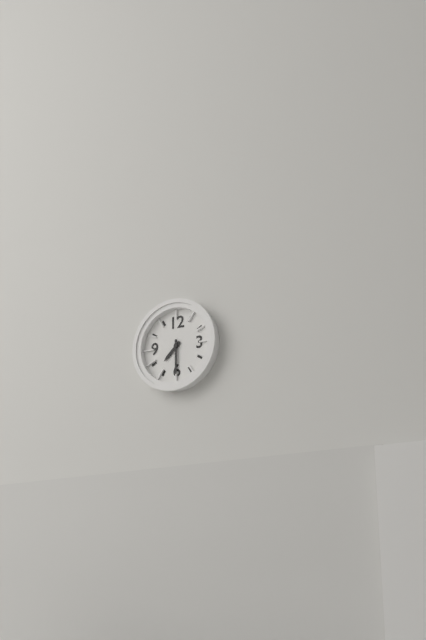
7:30
